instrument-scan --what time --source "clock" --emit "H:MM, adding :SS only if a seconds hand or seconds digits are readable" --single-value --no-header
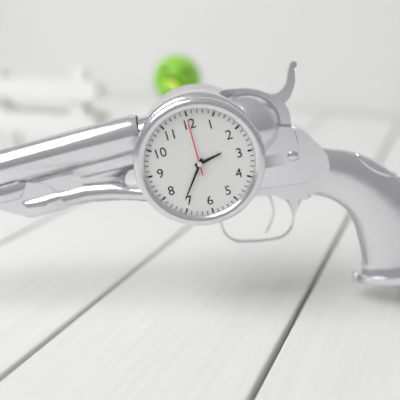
2:36:00
